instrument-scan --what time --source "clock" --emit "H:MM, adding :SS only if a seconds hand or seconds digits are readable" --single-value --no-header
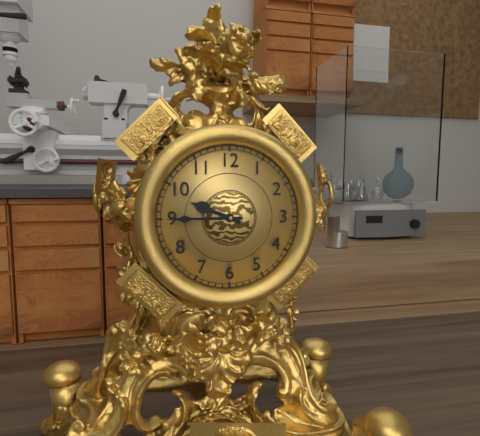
9:45
